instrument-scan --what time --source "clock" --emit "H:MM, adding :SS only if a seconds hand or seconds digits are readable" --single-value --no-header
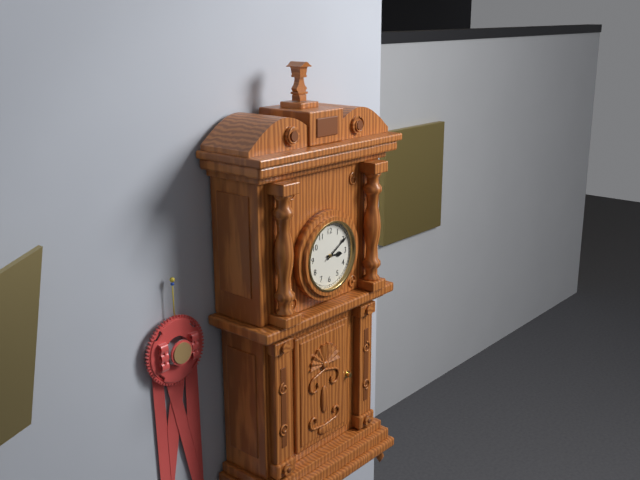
3:10
